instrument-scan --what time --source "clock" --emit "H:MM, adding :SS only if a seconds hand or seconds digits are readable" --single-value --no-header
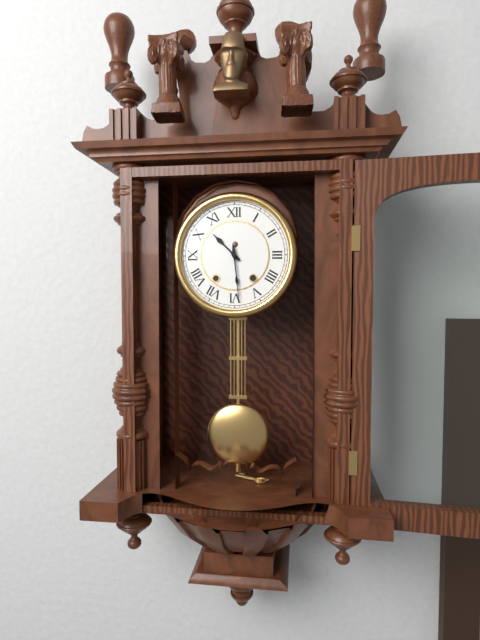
10:29
